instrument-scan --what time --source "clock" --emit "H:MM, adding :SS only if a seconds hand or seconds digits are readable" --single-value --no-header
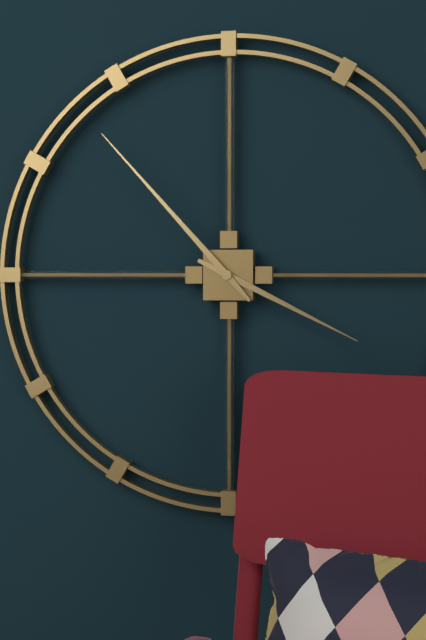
3:53
